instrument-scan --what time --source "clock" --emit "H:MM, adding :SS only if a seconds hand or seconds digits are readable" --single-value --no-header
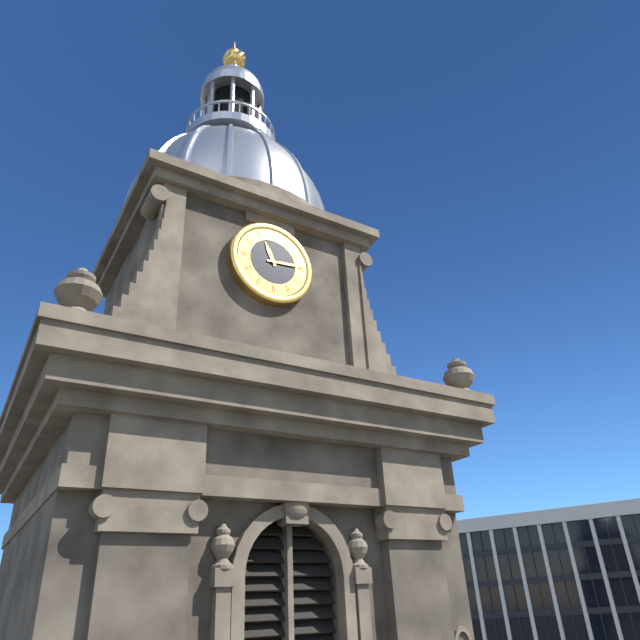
11:14
